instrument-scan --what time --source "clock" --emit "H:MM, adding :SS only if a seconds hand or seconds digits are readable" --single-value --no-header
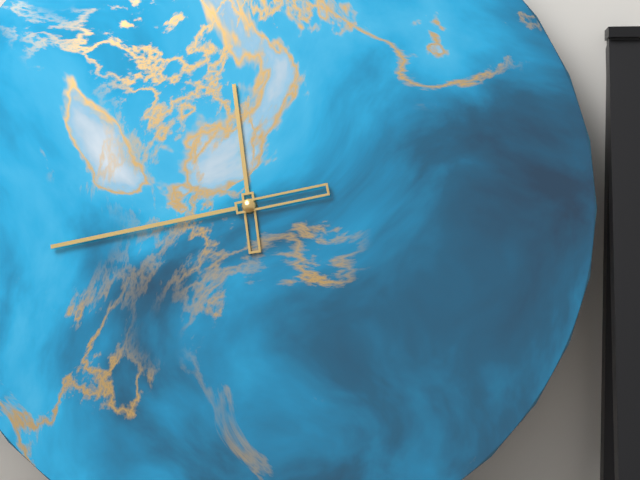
11:43
